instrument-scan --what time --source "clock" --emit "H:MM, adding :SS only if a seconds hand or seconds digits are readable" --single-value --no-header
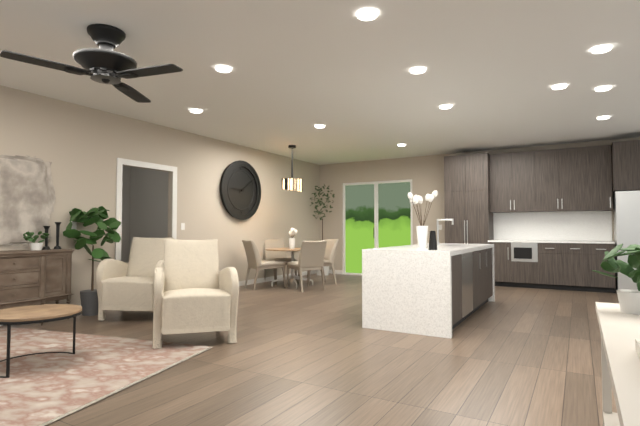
9:09
